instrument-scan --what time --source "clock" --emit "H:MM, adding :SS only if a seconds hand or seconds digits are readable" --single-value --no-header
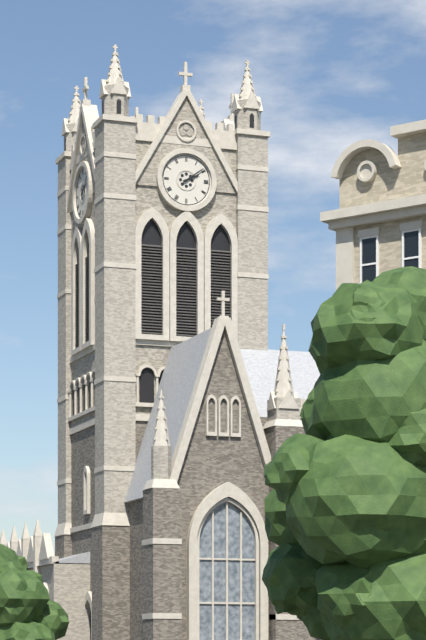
2:09
